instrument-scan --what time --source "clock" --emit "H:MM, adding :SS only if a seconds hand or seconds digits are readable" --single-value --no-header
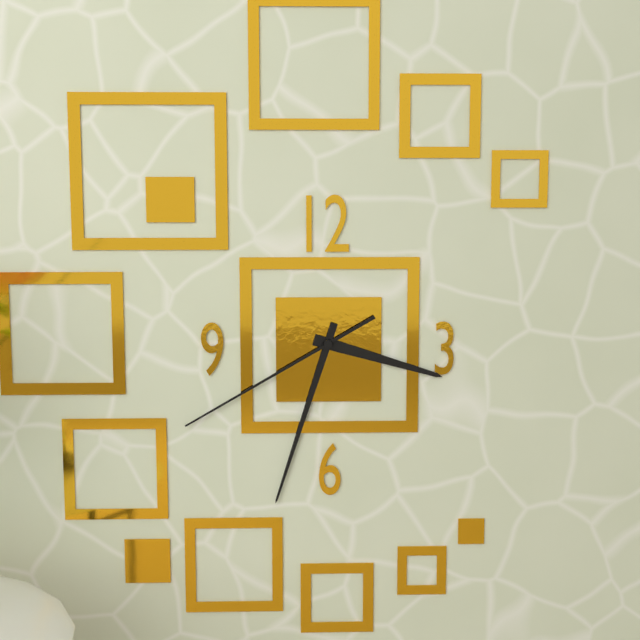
3:33:40
